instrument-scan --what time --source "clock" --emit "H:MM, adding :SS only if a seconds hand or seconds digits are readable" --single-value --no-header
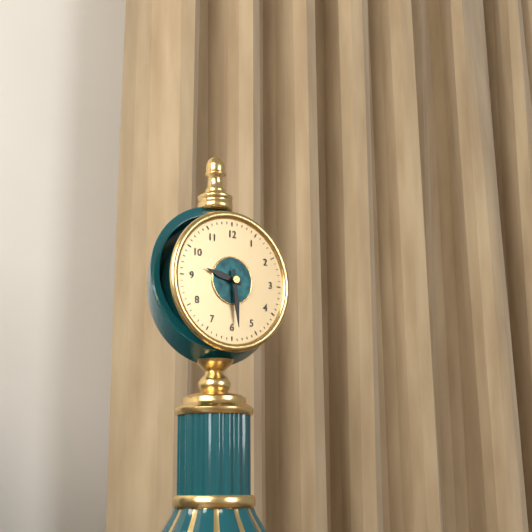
9:29
